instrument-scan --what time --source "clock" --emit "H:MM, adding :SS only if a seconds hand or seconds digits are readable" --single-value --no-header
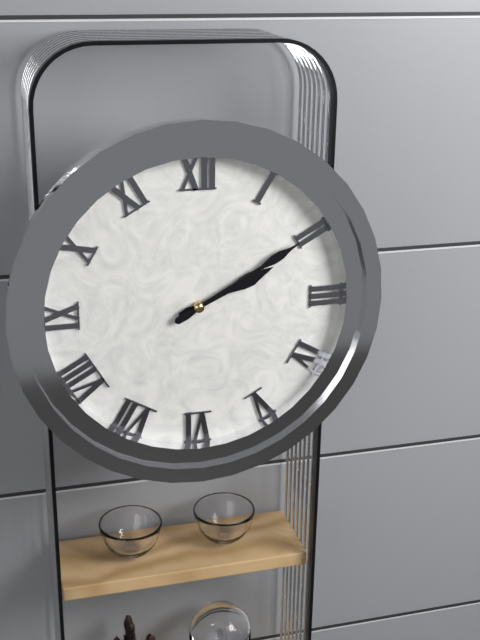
2:10
